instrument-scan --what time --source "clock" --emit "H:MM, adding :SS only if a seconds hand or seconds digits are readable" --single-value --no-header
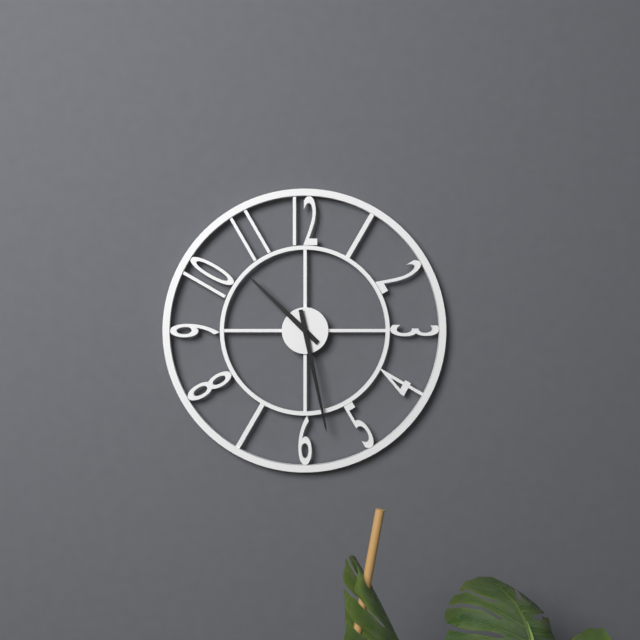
10:28
